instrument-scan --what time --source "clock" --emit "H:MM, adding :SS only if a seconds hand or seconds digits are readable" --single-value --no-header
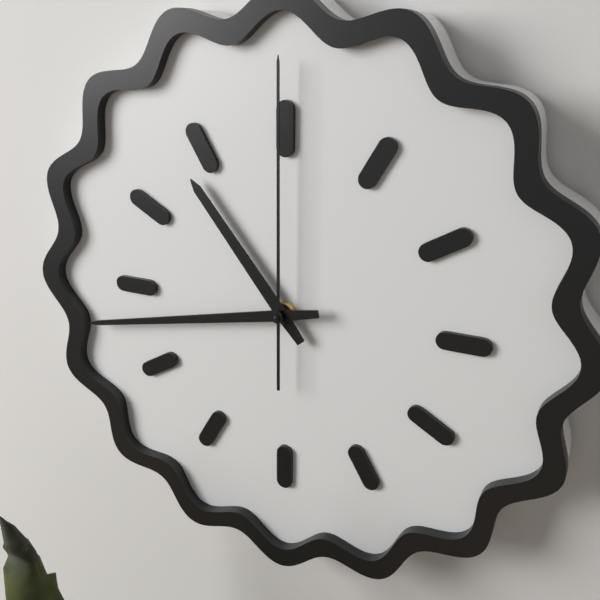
10:43:00
